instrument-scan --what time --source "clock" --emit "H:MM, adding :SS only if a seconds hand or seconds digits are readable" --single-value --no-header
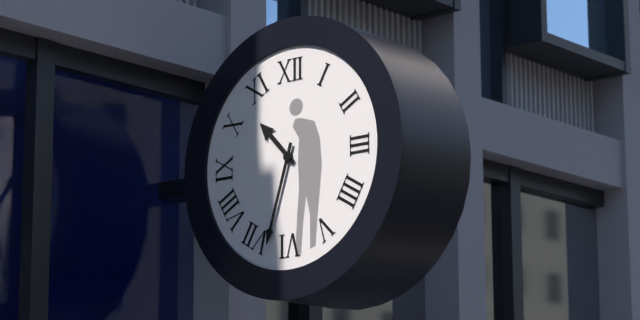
10:33
